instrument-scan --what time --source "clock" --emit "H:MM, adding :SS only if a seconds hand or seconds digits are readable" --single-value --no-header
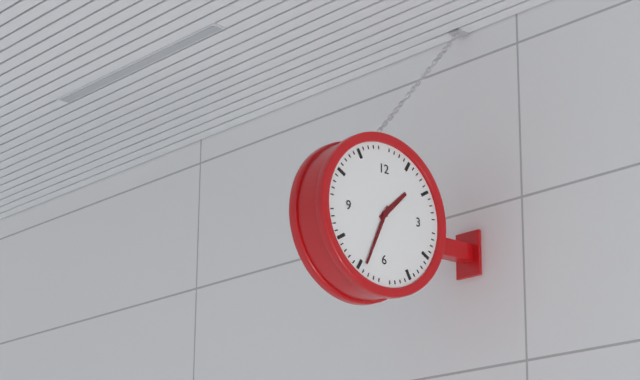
1:34
